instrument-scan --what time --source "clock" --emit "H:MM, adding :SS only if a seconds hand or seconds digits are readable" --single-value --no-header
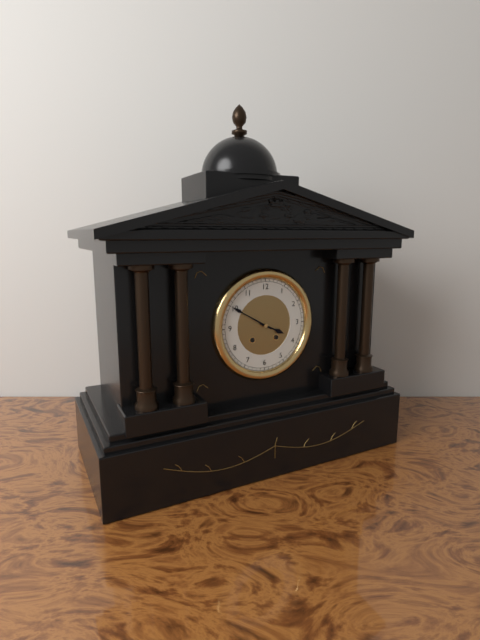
3:50
